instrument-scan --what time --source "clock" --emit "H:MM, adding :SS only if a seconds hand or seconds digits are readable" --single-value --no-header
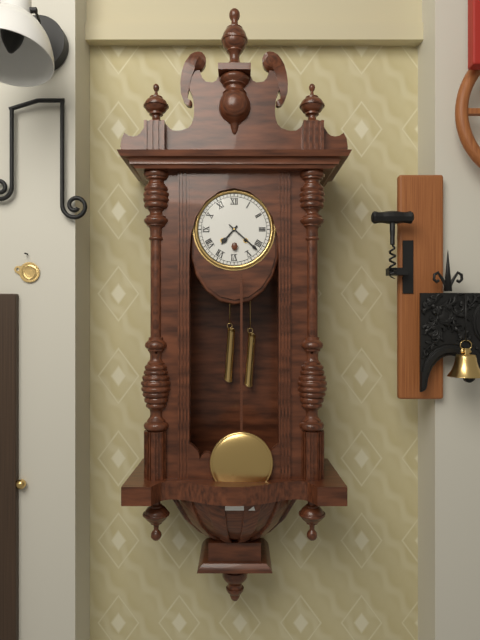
7:22
